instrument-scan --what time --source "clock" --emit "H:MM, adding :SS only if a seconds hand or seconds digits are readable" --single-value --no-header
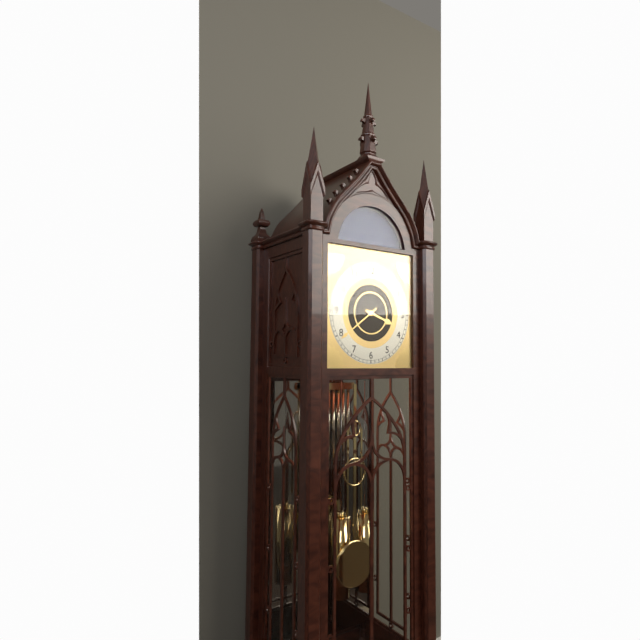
3:39
